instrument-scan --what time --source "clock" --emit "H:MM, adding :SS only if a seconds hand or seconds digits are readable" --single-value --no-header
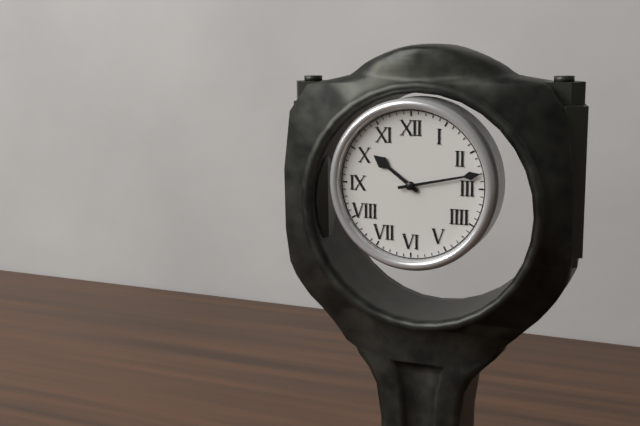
10:13
